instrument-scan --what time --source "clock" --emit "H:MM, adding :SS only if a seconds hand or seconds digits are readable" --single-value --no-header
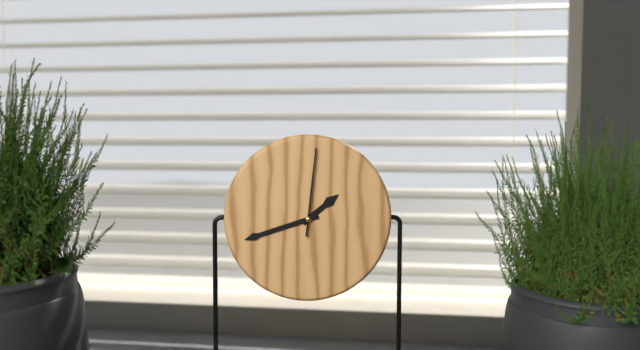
1:42:01
